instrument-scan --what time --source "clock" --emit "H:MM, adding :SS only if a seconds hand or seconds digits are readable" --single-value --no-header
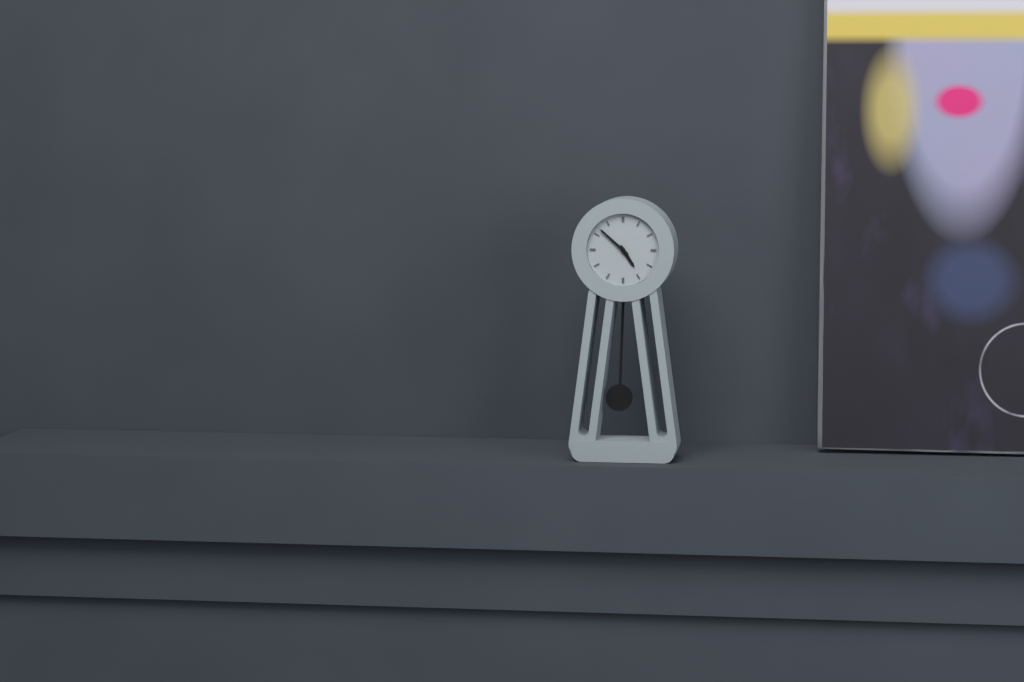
4:52
